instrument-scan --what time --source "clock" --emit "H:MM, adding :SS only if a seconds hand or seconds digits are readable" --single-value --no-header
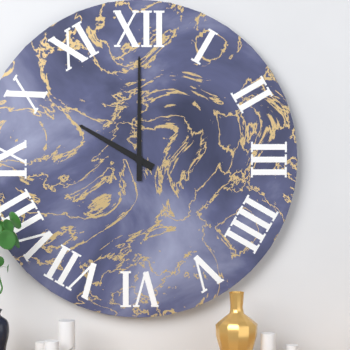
10:00
